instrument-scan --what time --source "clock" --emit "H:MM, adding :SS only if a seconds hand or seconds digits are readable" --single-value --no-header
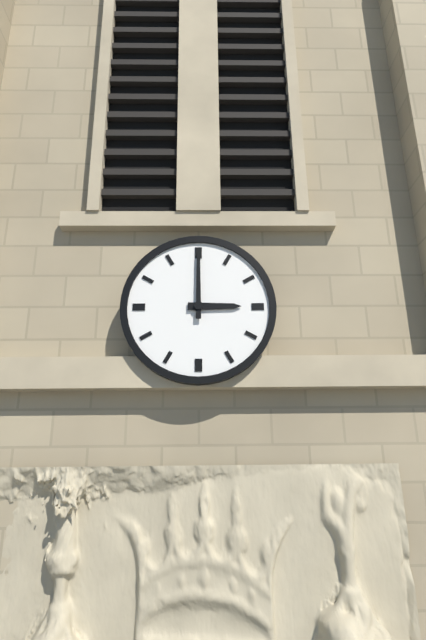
3:00
